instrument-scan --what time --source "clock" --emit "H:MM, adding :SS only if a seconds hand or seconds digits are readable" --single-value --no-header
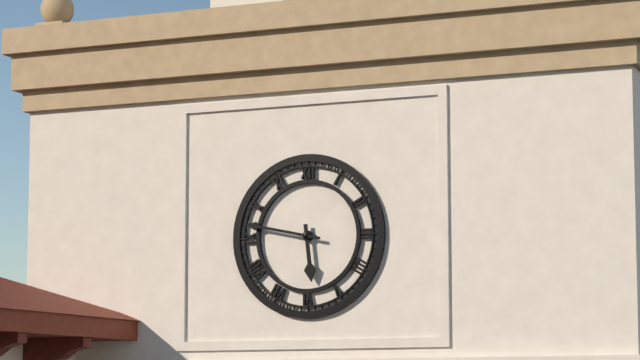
5:47
